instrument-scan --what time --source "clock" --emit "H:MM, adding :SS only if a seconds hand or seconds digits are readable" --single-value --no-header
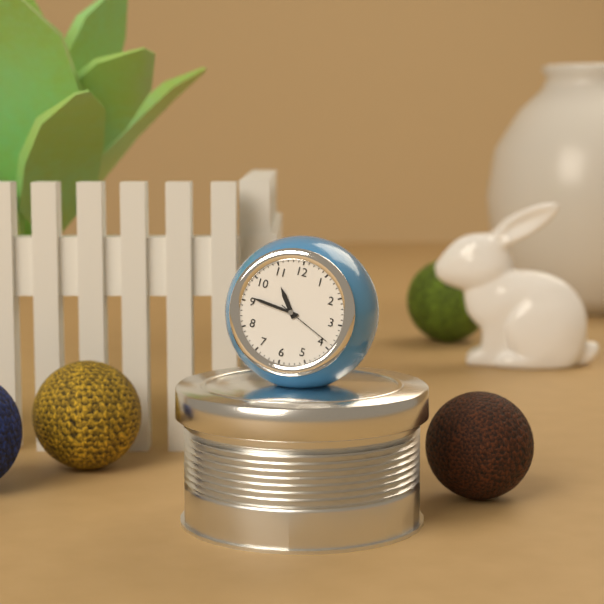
10:46
